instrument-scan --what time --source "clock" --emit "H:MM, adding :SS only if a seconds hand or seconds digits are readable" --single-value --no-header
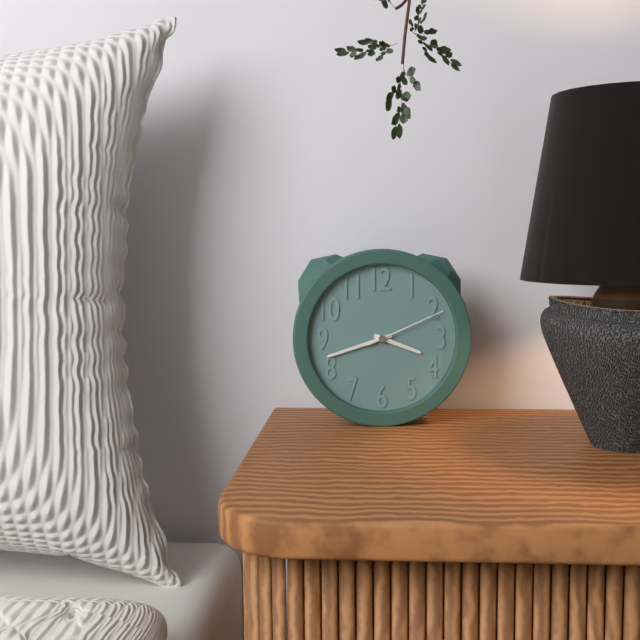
3:42:11
